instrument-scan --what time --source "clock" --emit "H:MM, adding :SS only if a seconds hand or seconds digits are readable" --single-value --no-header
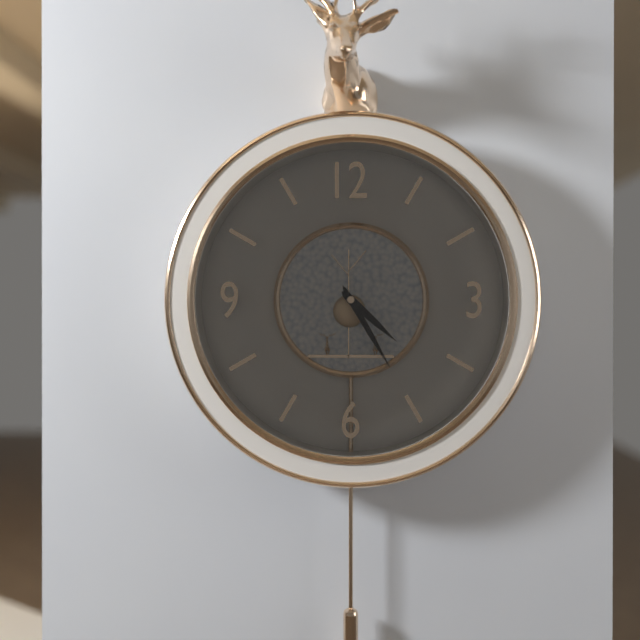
4:25
